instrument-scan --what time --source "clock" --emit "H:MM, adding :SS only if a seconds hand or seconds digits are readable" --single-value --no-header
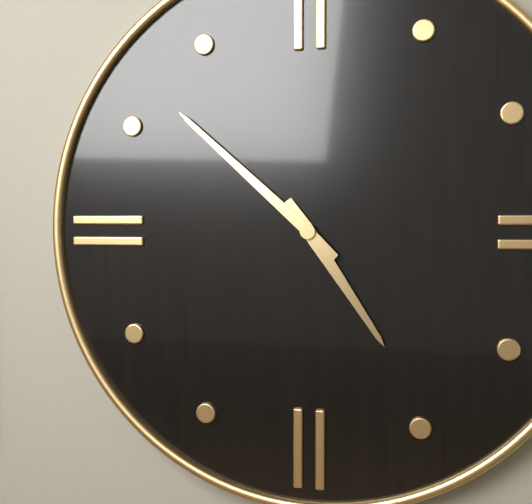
4:52
